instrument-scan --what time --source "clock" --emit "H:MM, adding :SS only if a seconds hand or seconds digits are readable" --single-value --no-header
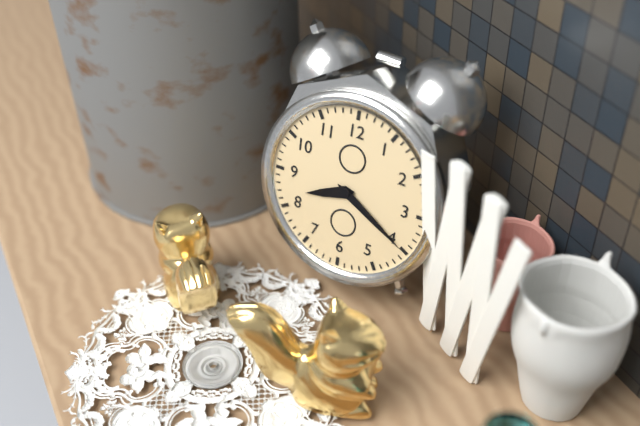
8:20
